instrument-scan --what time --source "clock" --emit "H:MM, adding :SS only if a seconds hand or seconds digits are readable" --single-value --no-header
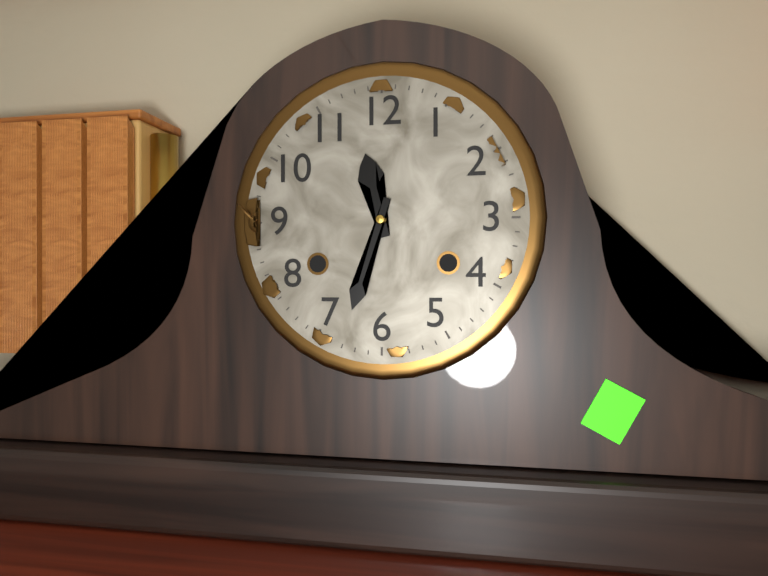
11:33
